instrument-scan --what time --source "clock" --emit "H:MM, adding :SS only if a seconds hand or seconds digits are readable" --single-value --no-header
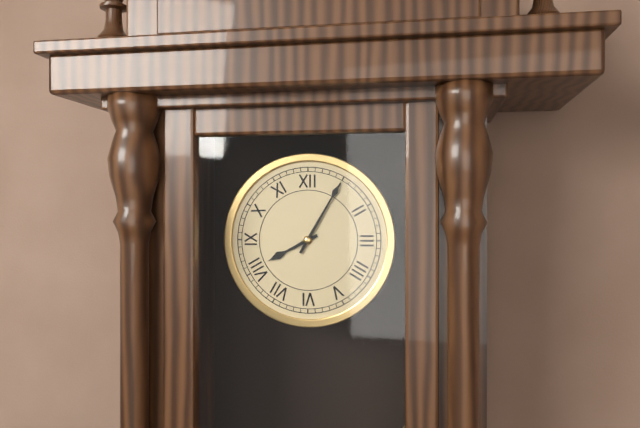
8:05
